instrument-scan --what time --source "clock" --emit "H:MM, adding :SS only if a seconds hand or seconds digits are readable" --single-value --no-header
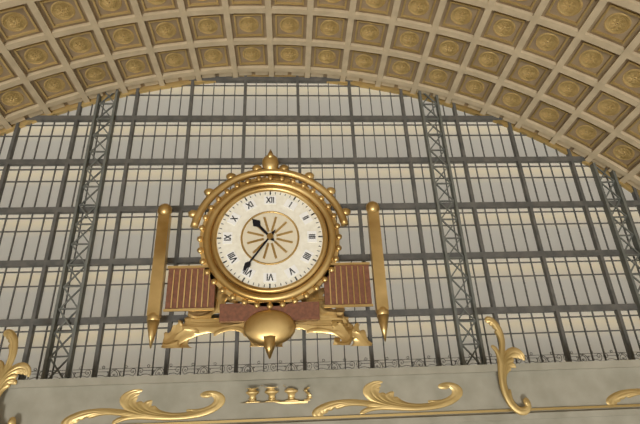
10:36
